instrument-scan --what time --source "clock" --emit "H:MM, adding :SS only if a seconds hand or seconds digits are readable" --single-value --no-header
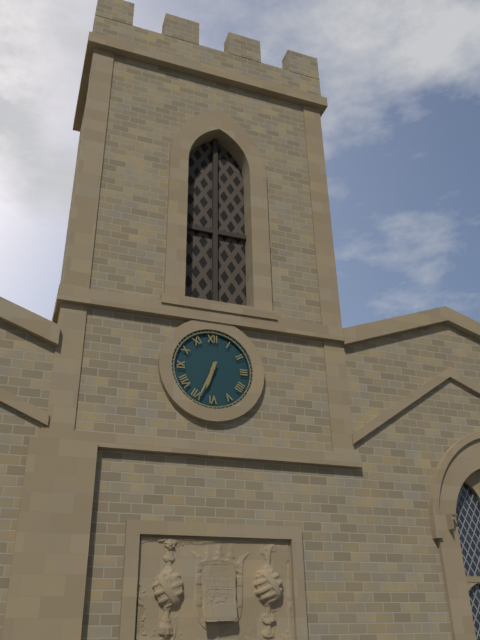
6:34
